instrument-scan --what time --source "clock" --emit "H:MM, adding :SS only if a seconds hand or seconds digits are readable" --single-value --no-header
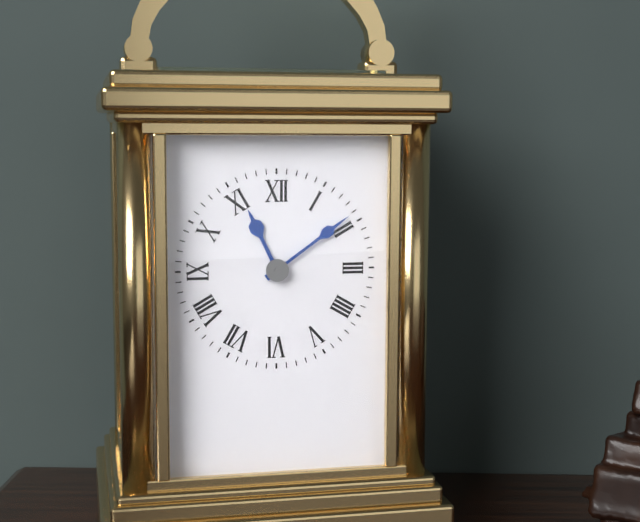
11:09
